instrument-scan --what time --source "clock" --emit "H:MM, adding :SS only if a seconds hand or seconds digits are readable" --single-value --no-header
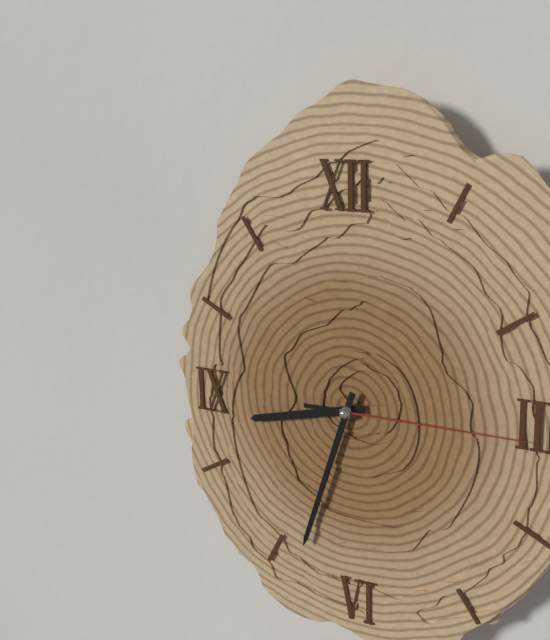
8:33:15
